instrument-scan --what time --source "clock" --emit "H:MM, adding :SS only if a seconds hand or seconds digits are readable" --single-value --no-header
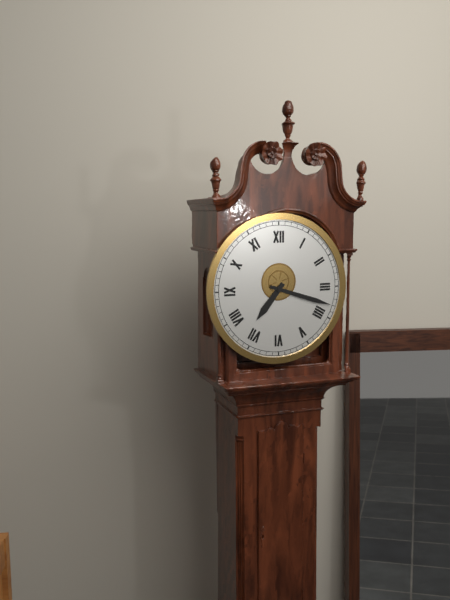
7:18
